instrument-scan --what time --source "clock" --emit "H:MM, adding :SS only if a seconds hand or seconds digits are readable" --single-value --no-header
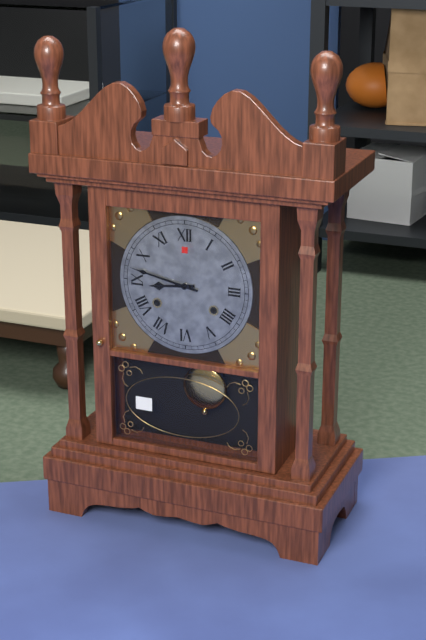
8:47
